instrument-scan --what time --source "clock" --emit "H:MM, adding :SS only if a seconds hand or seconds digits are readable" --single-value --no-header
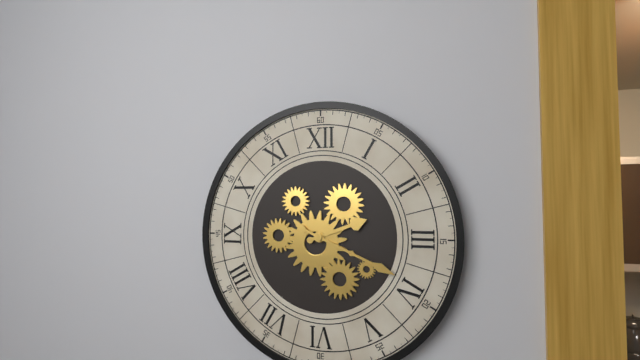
2:19
